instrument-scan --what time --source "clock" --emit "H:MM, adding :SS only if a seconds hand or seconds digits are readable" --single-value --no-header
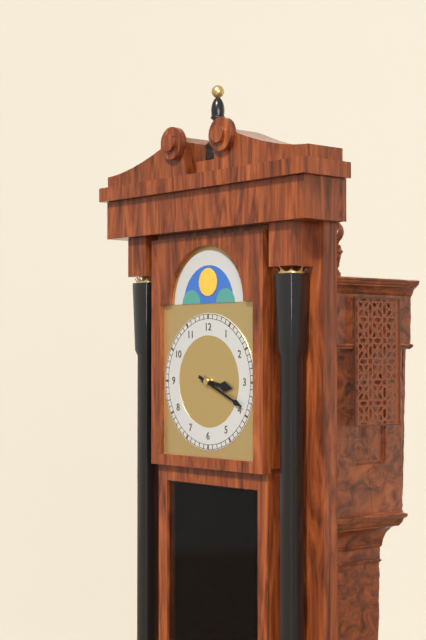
3:19
